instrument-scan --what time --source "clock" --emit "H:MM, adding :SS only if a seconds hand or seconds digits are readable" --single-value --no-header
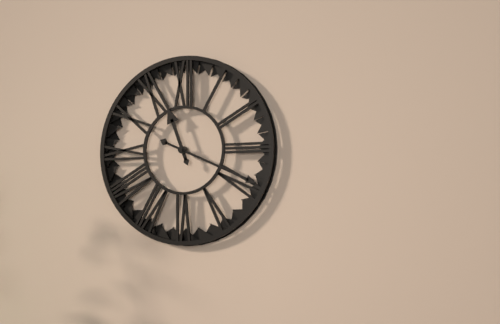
11:19
